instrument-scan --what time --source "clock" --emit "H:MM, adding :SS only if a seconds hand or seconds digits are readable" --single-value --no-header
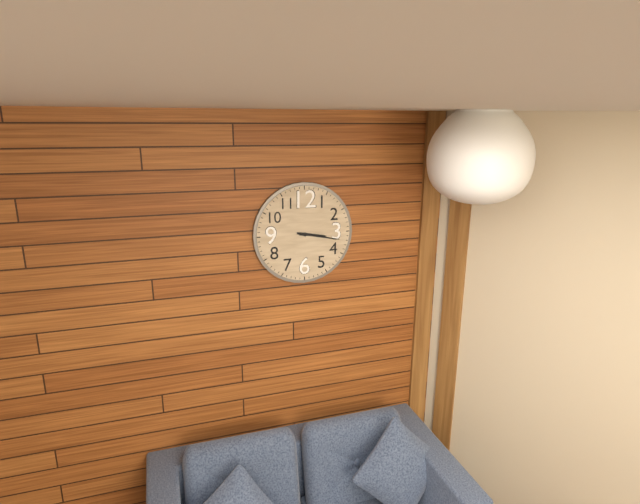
3:17
